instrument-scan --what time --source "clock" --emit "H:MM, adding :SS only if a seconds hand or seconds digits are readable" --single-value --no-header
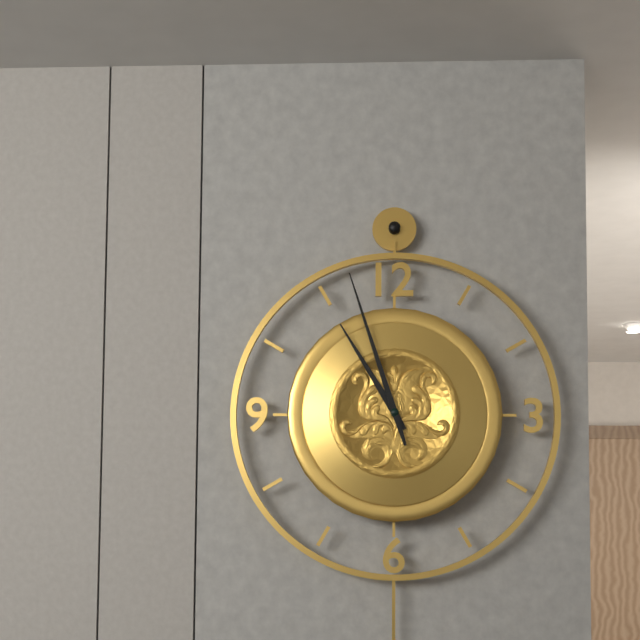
10:57
